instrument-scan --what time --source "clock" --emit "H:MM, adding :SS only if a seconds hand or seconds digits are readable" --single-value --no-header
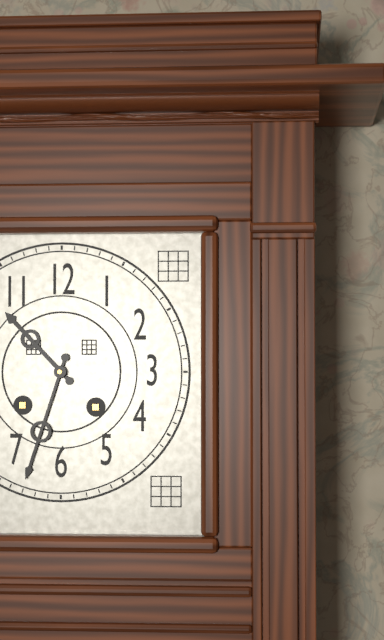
10:33
